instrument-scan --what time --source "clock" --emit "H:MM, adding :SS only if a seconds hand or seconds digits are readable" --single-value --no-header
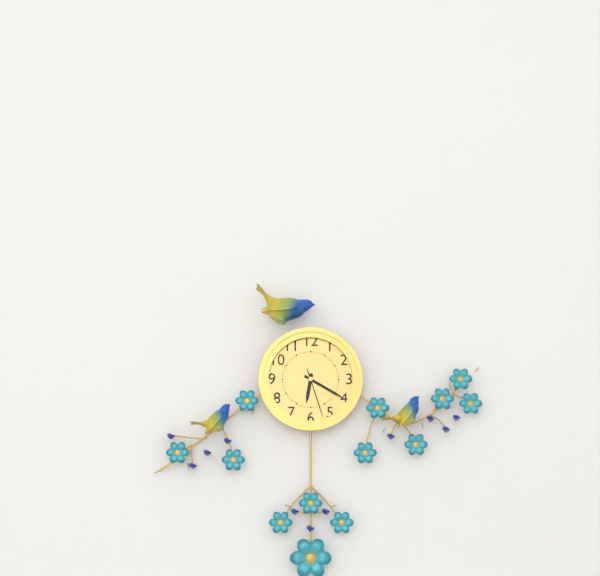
6:20:27
